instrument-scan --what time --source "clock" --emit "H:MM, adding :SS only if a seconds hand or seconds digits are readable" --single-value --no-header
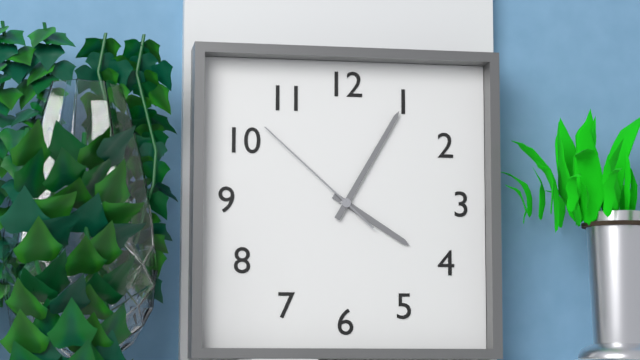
4:05:52
